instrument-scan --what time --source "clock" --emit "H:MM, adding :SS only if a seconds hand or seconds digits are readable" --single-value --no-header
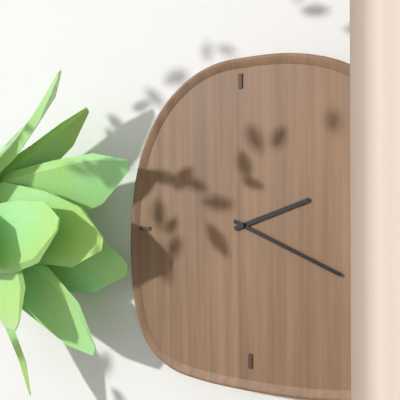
2:19
